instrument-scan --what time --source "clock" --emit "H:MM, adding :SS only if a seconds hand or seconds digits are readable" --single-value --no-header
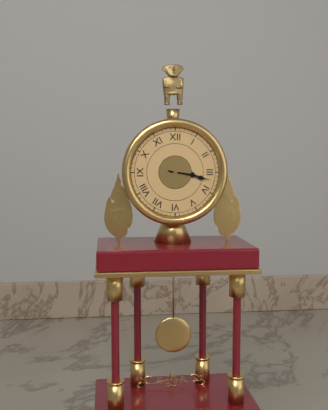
3:17
